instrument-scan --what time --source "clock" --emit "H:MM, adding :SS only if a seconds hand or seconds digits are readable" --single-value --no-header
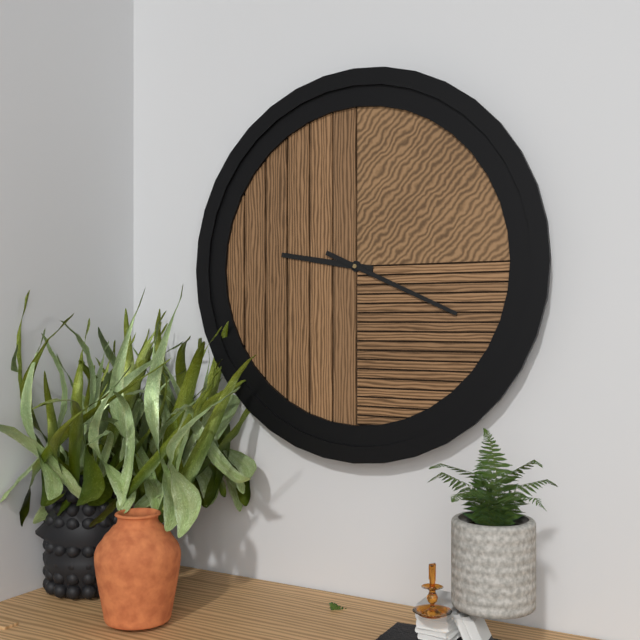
9:19
